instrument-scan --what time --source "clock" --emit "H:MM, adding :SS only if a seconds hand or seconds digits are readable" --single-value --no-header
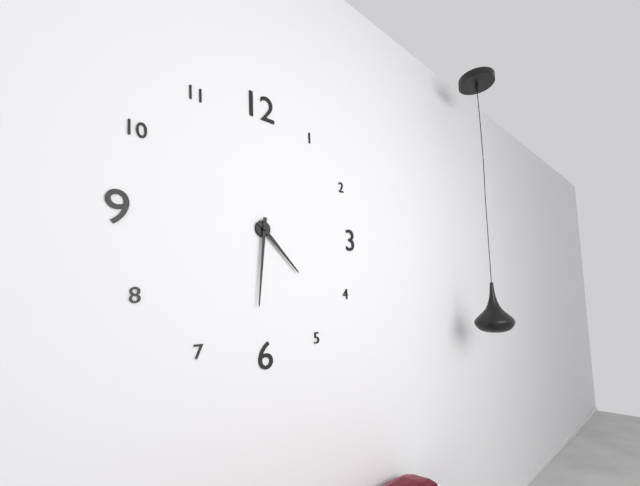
4:31
